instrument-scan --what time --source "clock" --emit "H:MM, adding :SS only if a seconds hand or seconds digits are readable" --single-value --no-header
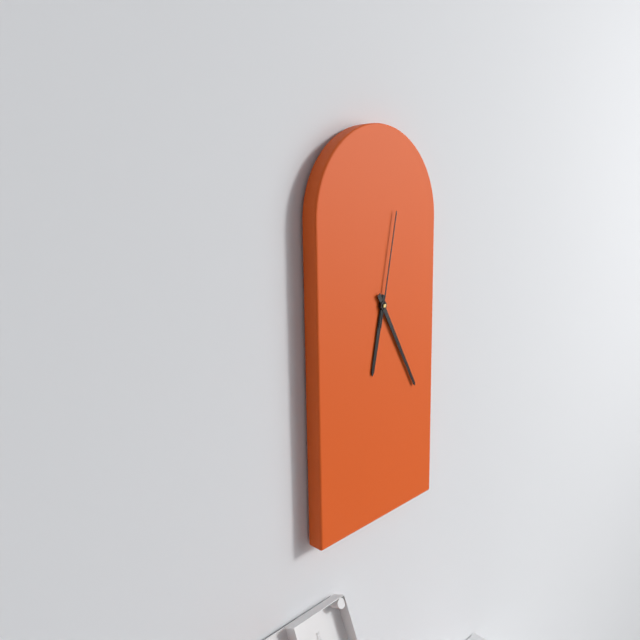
6:25:02
